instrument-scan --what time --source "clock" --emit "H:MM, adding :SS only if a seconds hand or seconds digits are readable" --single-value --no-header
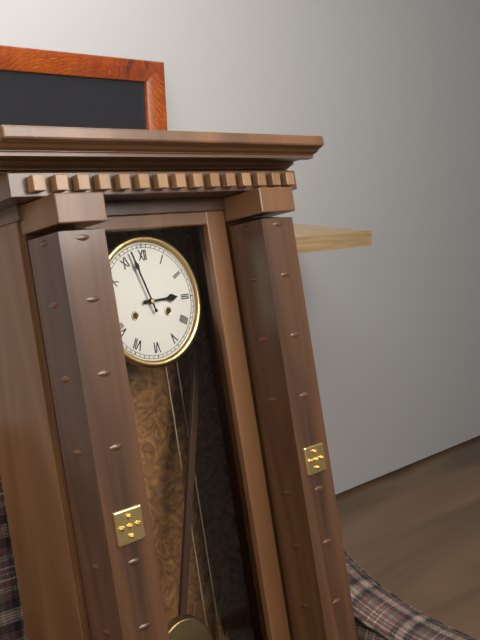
2:57
